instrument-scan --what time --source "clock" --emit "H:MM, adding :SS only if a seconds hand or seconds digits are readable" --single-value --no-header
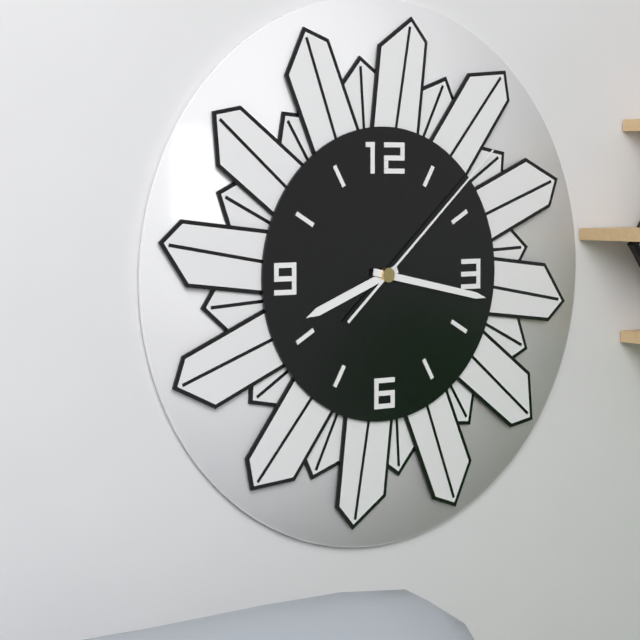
8:17:08
